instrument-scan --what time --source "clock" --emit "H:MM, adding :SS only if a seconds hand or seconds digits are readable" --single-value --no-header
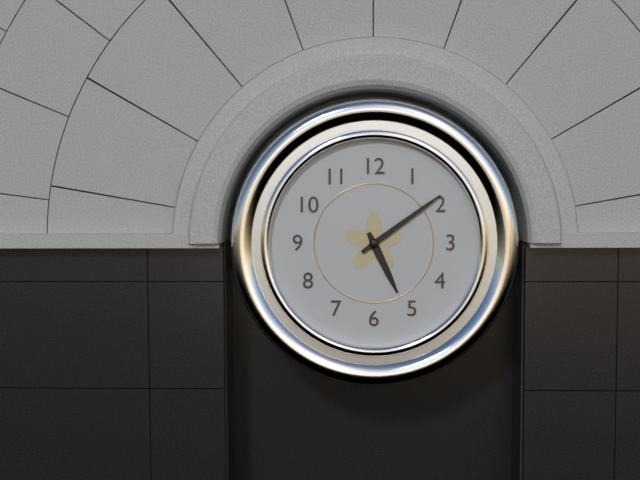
5:09
